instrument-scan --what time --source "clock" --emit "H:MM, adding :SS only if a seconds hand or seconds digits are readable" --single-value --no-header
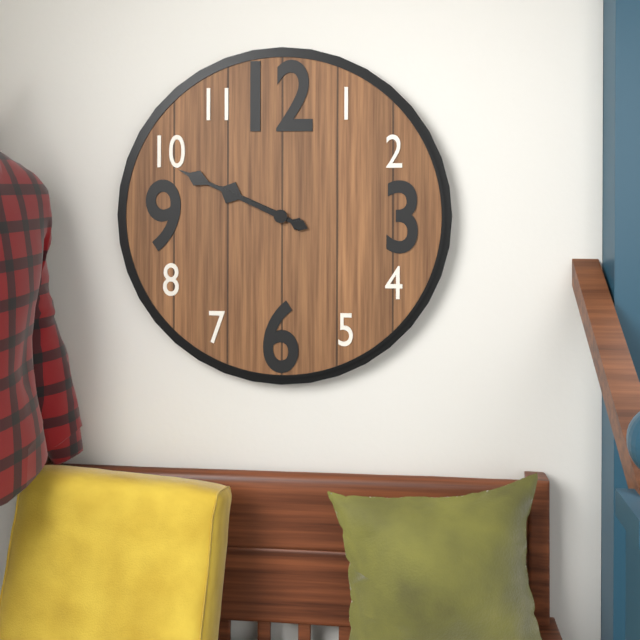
9:49
